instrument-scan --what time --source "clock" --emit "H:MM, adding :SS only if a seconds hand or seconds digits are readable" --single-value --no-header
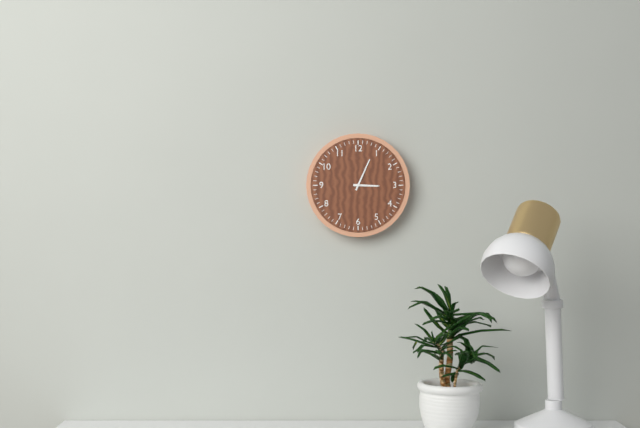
3:04
